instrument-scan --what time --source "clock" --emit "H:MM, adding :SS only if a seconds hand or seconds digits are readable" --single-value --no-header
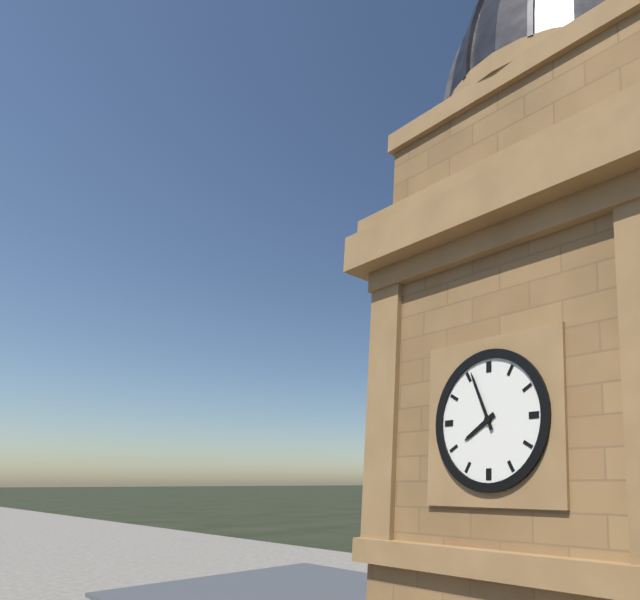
7:56
